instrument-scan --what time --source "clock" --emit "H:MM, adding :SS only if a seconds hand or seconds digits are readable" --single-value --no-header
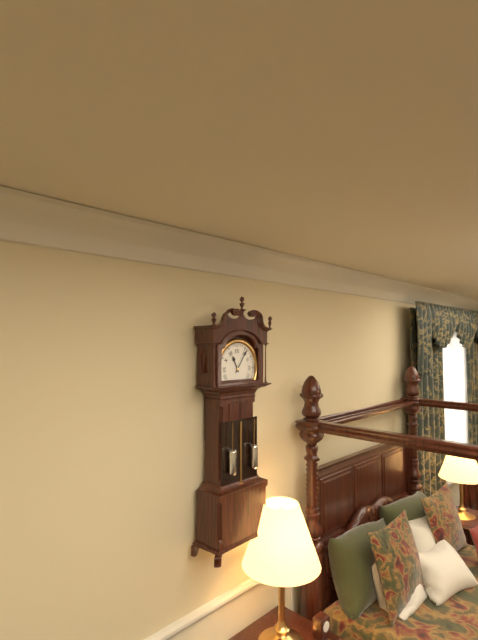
11:06
